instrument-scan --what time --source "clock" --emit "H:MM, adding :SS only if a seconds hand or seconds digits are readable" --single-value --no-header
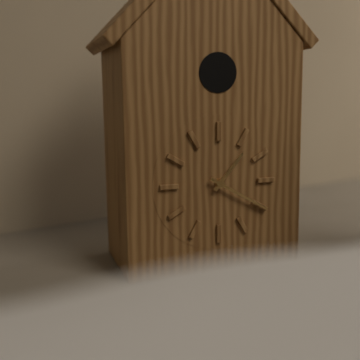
1:20
